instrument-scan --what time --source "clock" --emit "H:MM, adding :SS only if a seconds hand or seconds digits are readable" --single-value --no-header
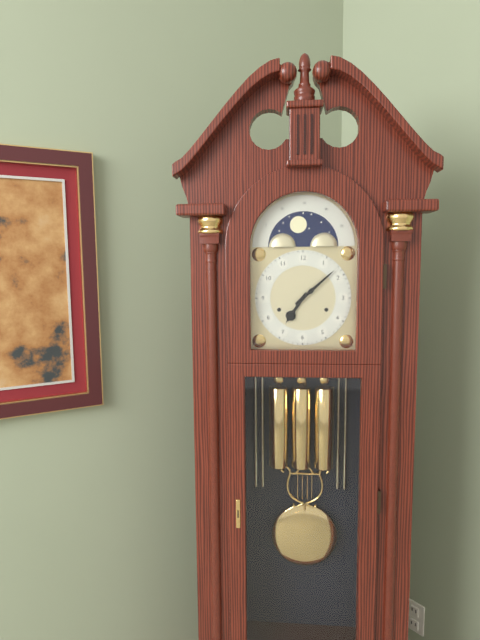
7:08
